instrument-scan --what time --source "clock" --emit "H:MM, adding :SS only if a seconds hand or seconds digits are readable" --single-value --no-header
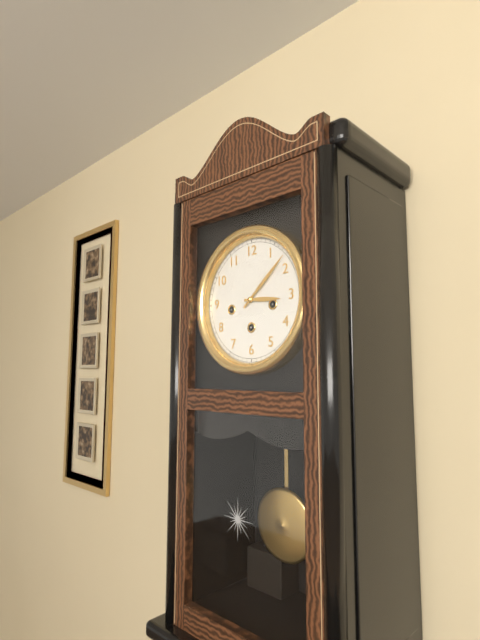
3:08
